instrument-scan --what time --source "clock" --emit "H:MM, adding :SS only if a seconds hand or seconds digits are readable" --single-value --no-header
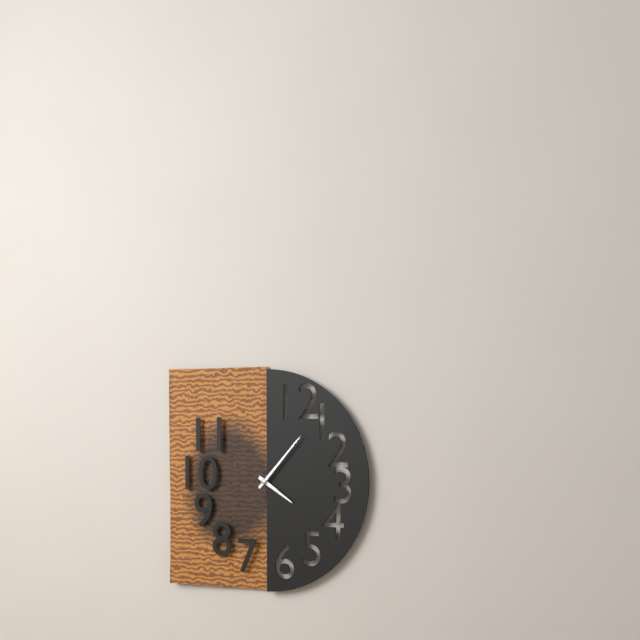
4:07
